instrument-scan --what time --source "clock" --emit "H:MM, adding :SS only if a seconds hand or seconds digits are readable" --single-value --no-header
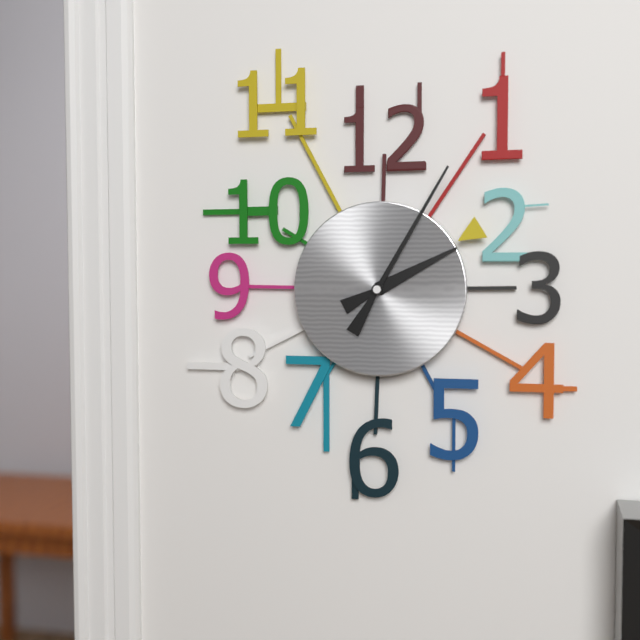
2:05
